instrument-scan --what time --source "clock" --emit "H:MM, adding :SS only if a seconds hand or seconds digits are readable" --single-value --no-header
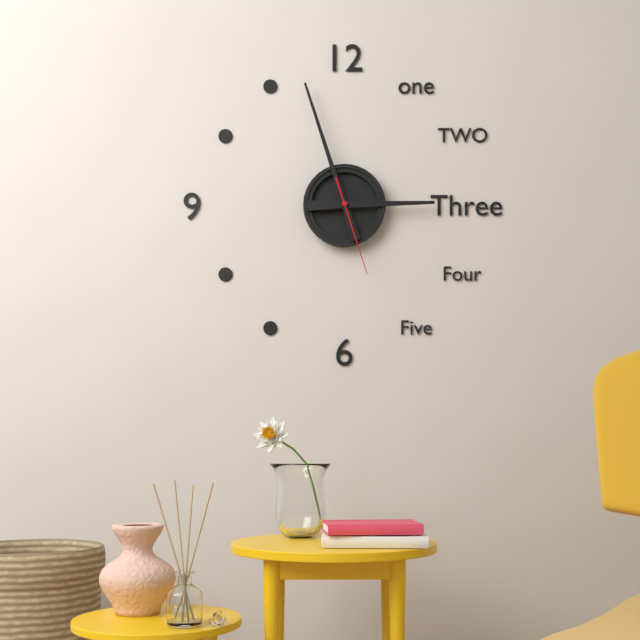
2:57:27
